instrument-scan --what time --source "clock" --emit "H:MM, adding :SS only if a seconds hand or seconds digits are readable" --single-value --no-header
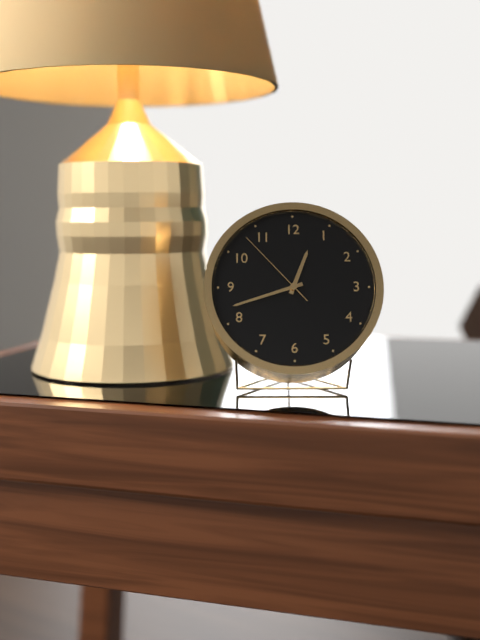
12:42:53
